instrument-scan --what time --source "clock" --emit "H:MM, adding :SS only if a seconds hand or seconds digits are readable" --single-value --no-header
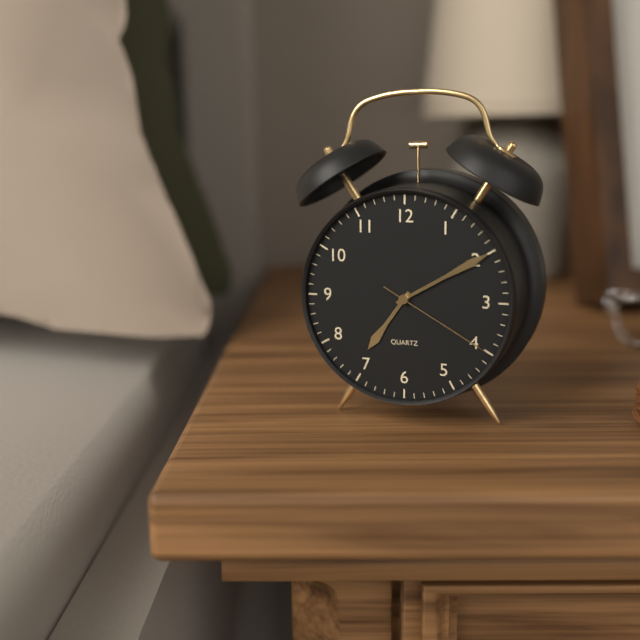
7:10:20
